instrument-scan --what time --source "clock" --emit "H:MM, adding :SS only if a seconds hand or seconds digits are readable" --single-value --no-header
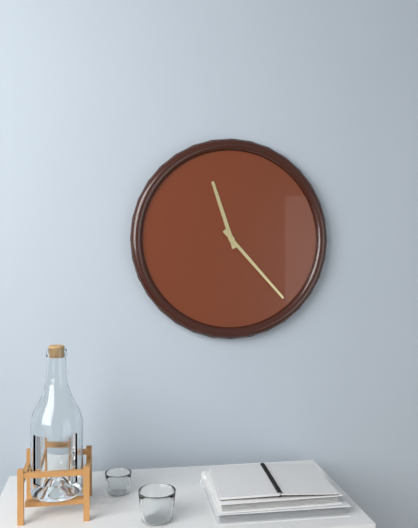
11:23
